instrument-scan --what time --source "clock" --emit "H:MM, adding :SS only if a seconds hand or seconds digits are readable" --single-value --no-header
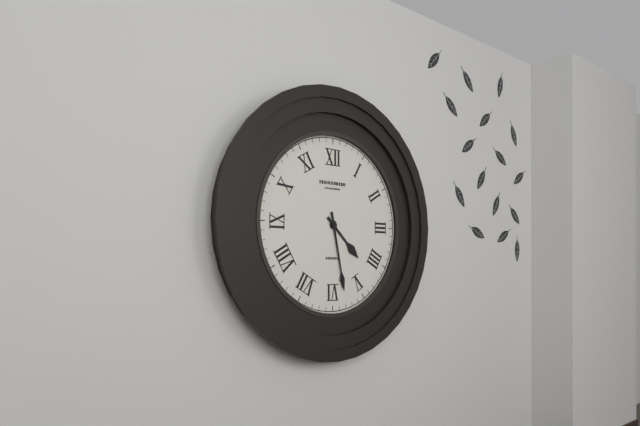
4:28
